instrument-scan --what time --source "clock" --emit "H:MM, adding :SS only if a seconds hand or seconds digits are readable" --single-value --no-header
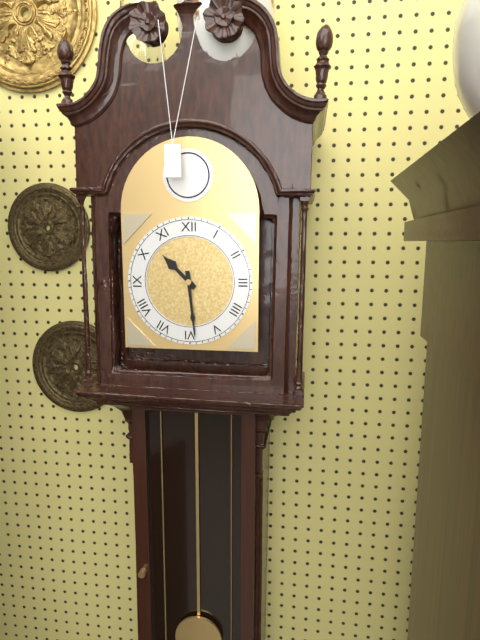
10:29
